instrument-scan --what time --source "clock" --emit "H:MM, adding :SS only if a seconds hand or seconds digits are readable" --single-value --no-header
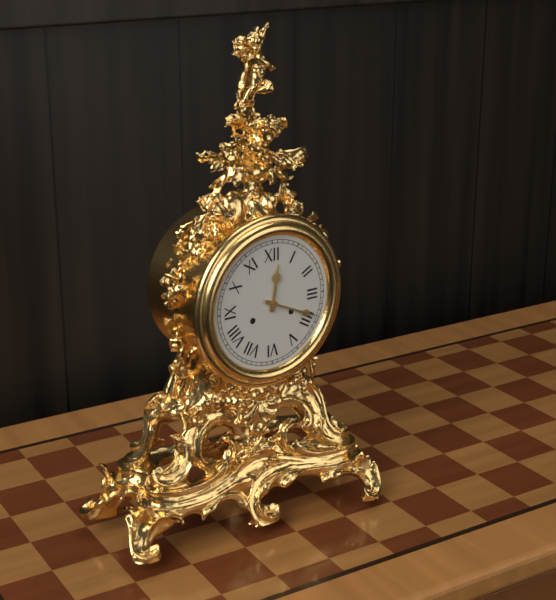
12:19
